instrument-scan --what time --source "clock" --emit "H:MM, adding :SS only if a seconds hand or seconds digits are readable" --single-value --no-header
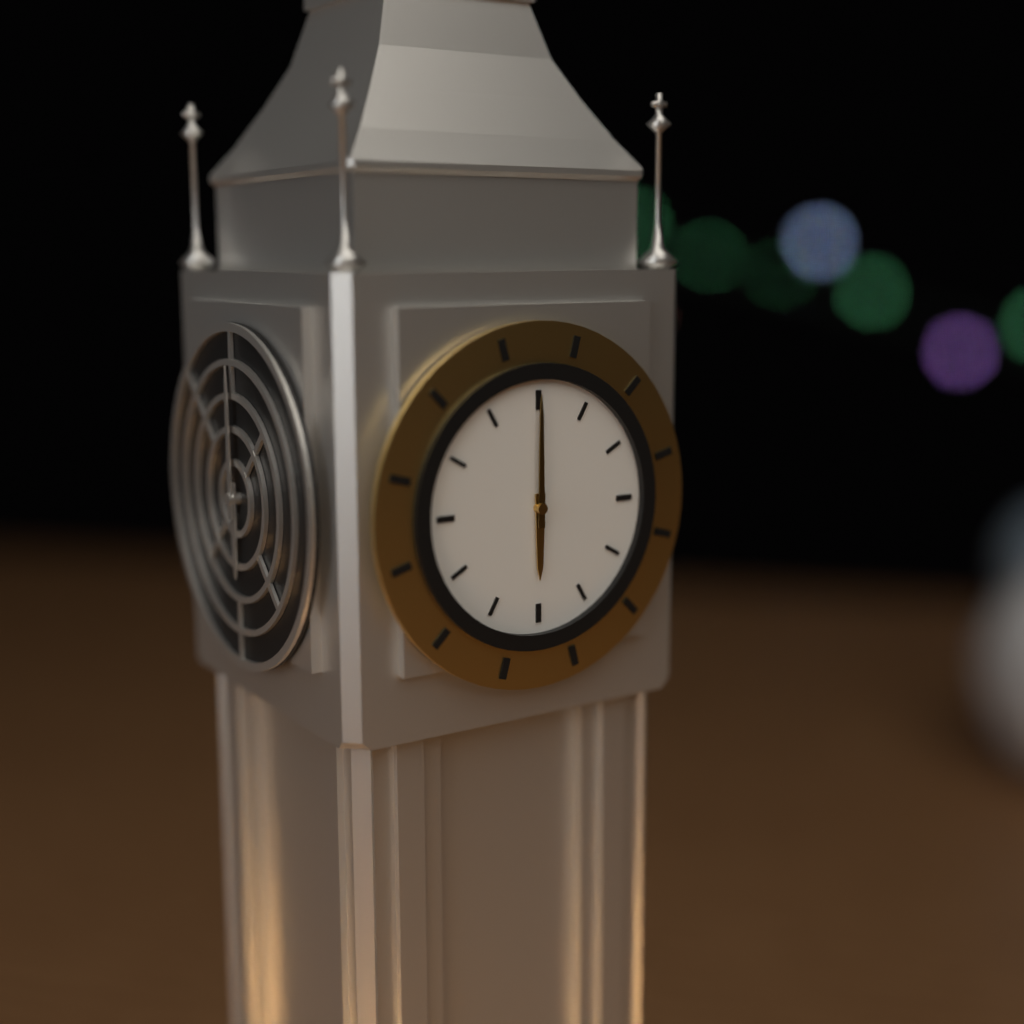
6:00
